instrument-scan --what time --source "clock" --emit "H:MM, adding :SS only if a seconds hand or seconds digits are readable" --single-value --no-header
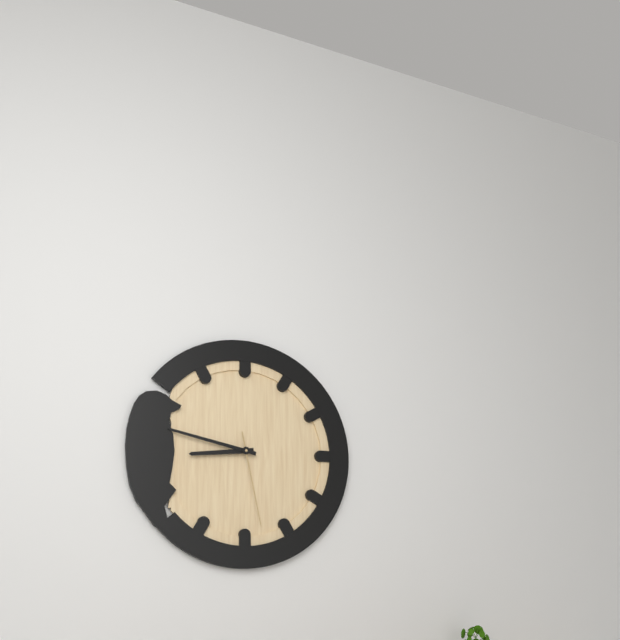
8:47:28
